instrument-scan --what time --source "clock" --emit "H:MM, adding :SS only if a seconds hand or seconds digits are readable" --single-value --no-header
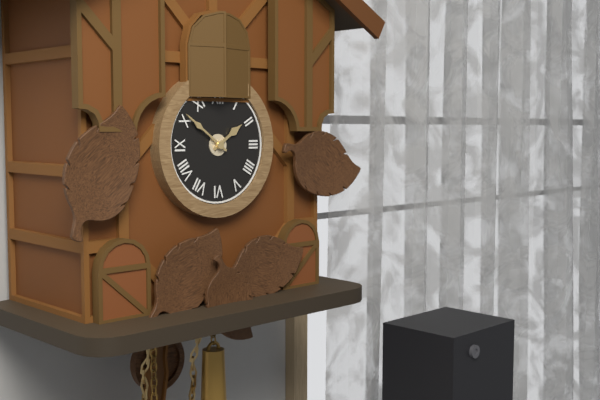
1:51
